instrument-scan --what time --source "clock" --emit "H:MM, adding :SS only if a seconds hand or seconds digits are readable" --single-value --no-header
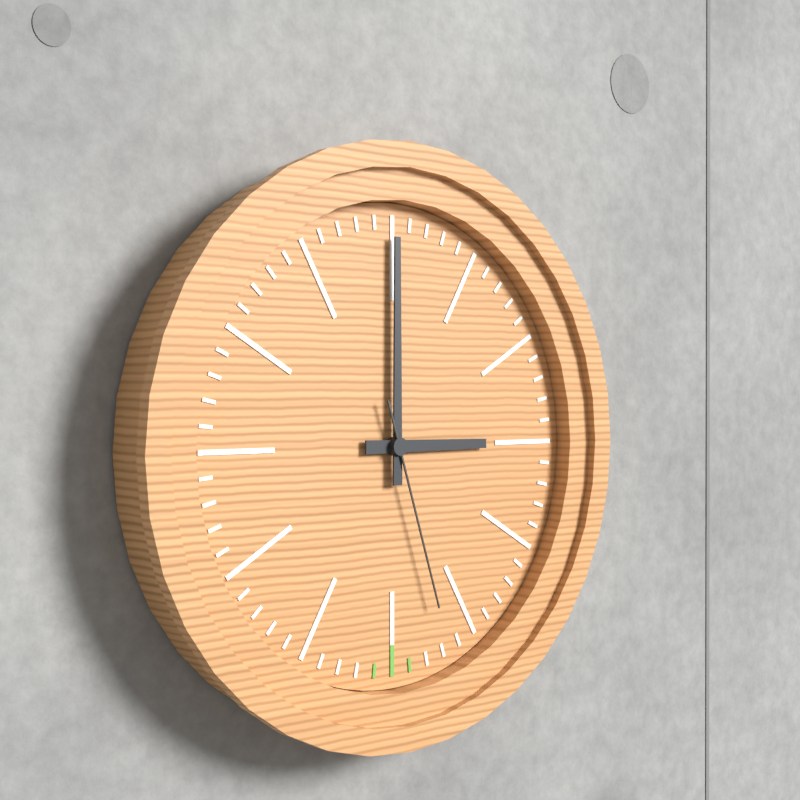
3:00:27
